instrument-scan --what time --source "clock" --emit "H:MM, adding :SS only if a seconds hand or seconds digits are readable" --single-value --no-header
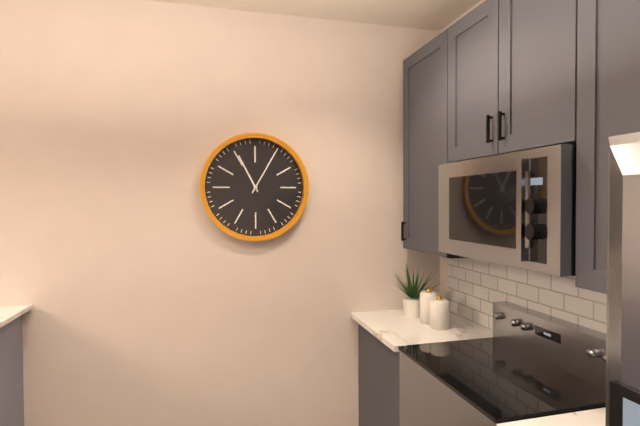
11:05
